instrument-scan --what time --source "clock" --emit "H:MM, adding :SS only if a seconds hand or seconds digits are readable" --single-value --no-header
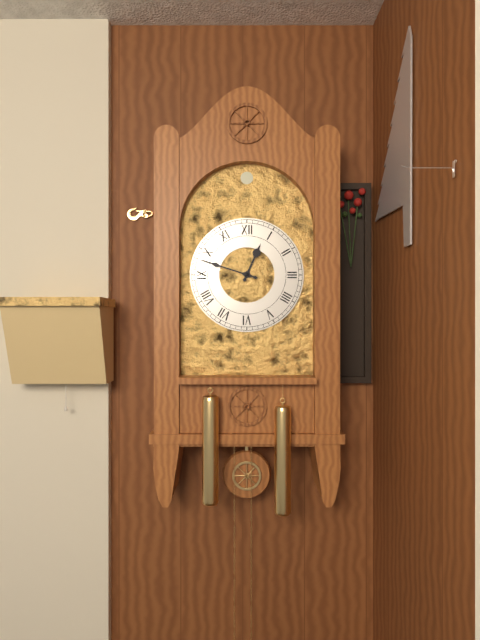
12:48
